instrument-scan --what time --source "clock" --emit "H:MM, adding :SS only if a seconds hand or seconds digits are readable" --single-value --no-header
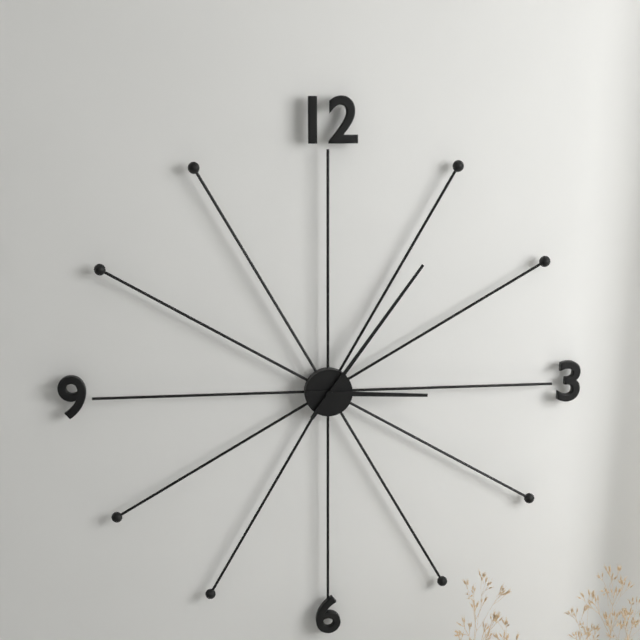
3:06
